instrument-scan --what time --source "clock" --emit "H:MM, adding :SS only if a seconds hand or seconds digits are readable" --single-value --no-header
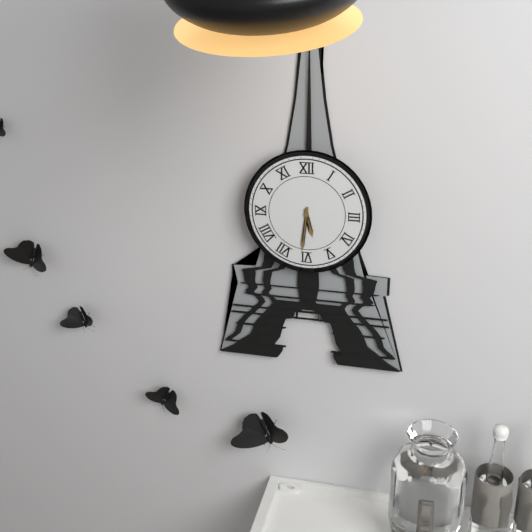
5:31
